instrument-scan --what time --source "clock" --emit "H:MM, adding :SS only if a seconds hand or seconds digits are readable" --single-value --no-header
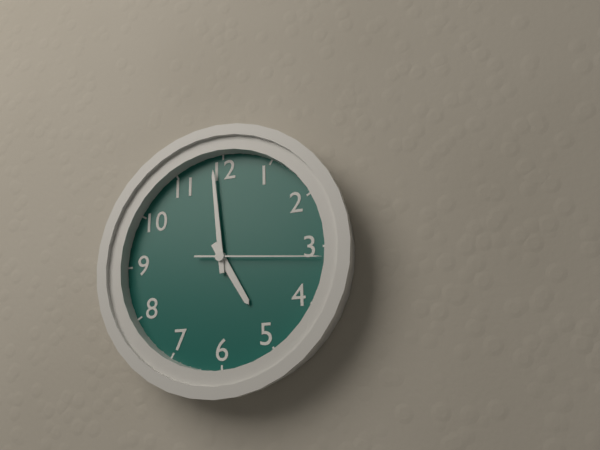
4:59:16
